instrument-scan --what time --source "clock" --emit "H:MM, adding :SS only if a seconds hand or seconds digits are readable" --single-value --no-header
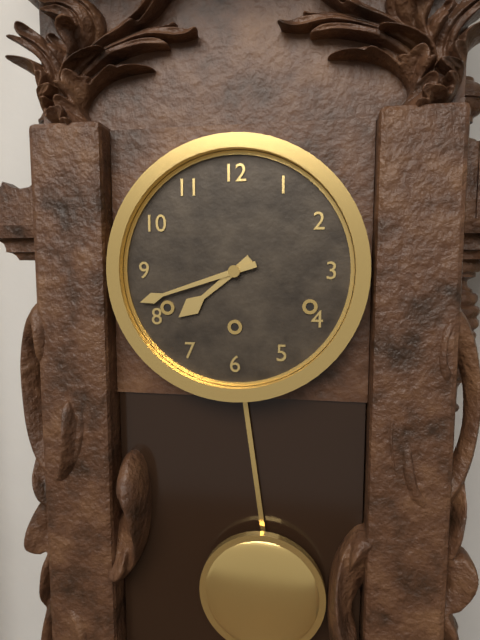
7:42
